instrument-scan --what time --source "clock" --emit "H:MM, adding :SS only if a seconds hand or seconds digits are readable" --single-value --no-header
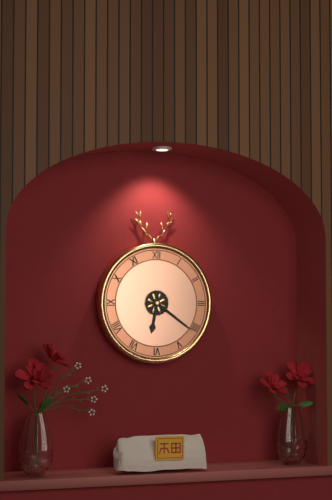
6:21
